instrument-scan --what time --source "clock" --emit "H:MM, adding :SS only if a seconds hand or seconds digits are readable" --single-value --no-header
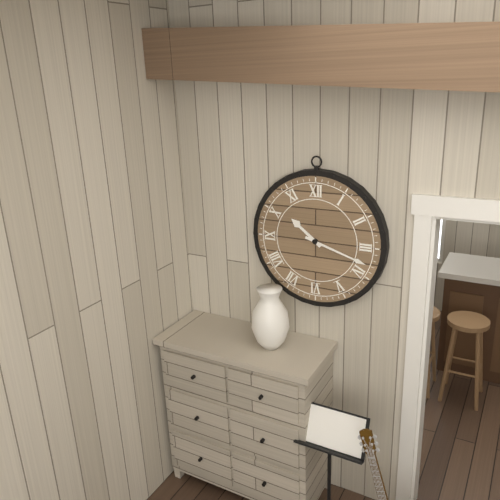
10:18
